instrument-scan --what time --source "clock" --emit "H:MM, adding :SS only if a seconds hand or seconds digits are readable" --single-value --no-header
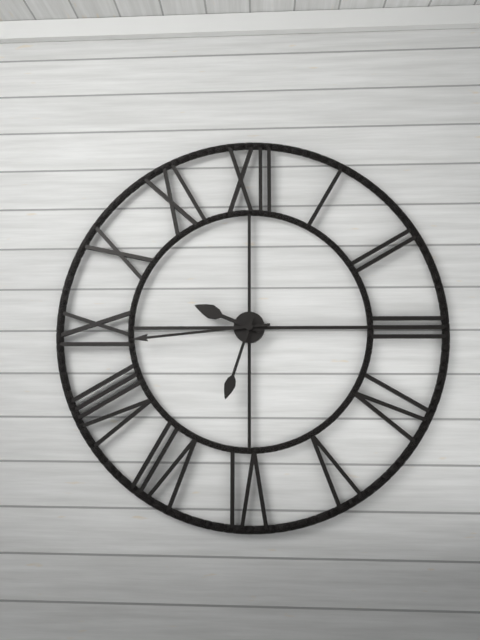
9:44:33
